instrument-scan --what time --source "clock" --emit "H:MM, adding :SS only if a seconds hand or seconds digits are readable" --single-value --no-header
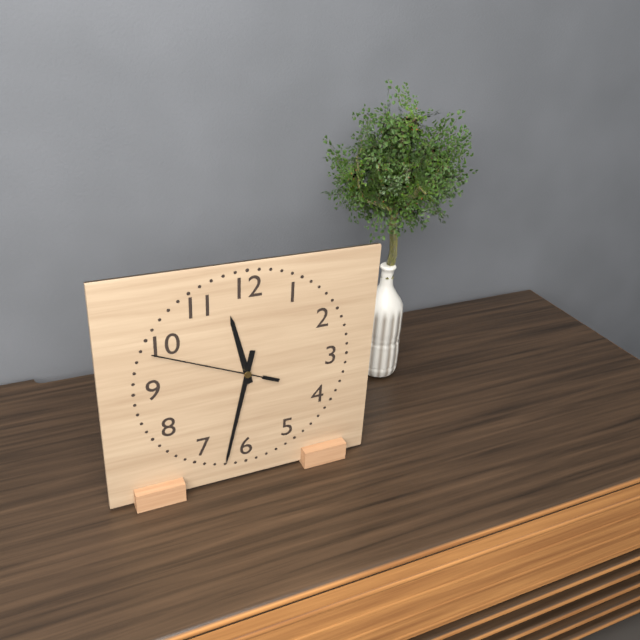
11:32:49
